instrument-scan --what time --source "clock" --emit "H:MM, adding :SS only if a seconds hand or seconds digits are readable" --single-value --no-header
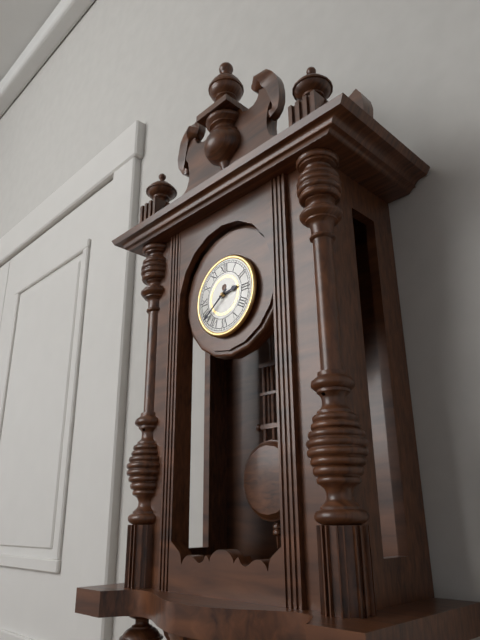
2:39
